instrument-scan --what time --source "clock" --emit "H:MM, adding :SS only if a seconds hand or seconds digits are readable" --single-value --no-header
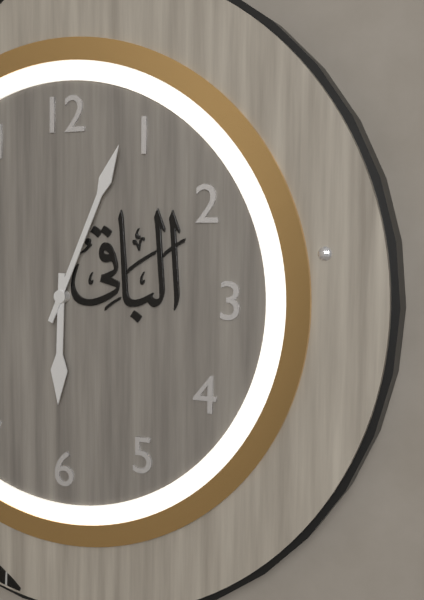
6:04
